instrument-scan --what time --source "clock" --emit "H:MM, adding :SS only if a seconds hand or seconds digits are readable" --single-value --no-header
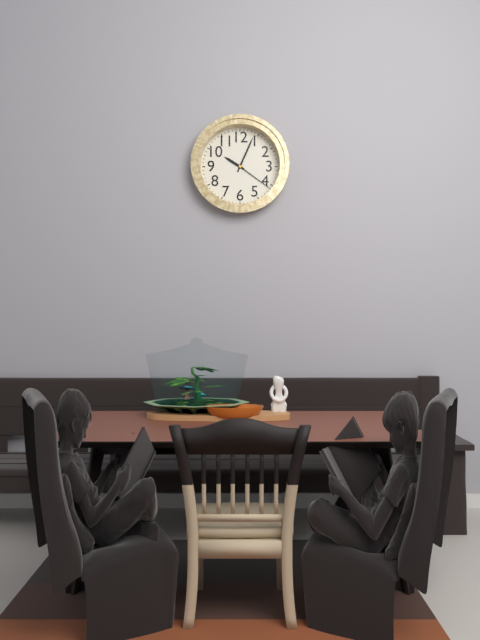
10:04
